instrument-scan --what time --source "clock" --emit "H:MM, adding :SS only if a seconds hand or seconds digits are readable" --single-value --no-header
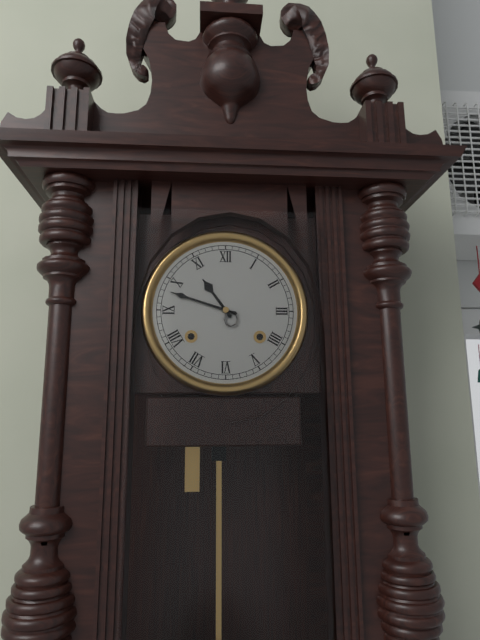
10:48
